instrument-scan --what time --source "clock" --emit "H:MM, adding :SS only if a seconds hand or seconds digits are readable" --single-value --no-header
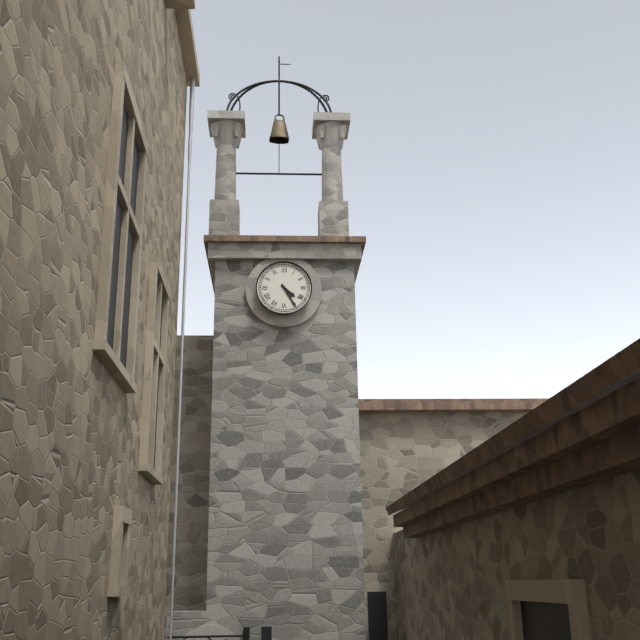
4:25
